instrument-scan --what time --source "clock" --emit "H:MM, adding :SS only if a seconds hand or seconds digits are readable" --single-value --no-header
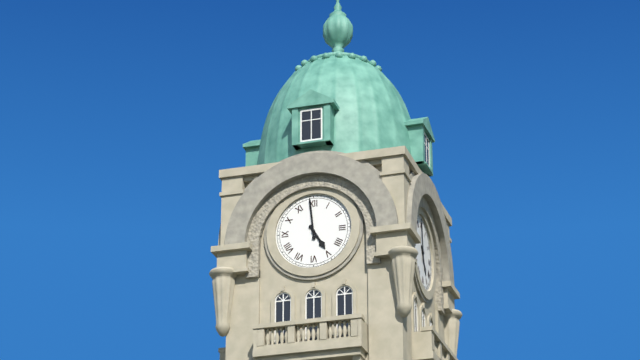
4:59
